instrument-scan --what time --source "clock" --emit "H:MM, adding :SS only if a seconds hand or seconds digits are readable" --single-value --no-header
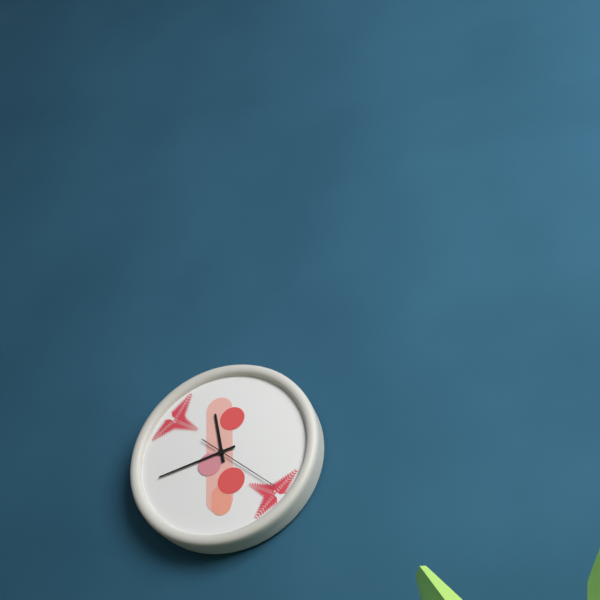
11:43:22
